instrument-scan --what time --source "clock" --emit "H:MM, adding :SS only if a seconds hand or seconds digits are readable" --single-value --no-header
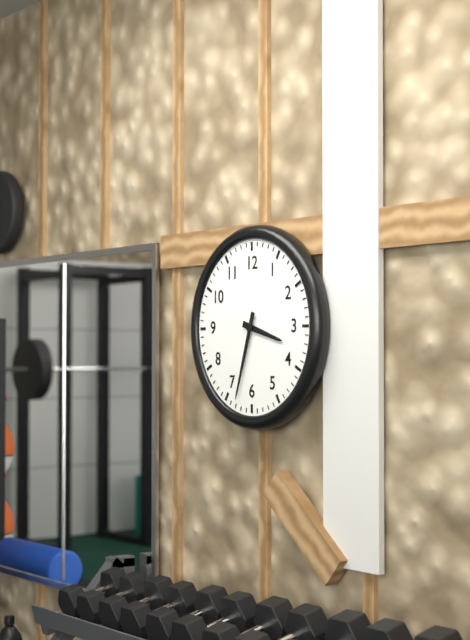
3:33
